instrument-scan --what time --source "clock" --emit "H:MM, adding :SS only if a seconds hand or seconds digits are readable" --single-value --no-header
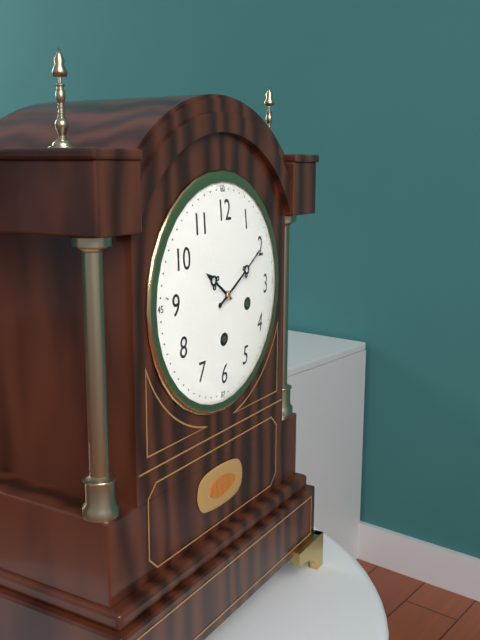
10:10
